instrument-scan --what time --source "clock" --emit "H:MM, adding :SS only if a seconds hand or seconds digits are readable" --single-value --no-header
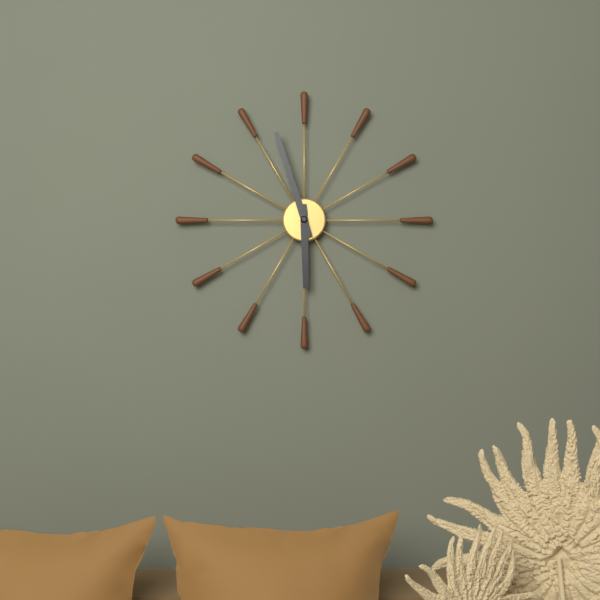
5:57
